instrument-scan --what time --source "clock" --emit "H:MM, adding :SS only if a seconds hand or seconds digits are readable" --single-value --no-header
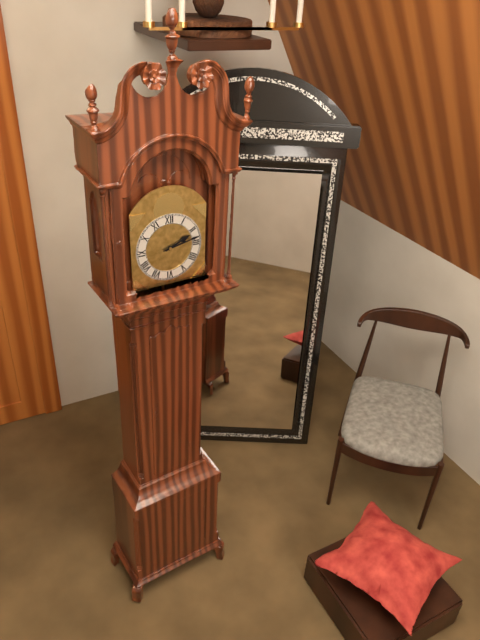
2:13
